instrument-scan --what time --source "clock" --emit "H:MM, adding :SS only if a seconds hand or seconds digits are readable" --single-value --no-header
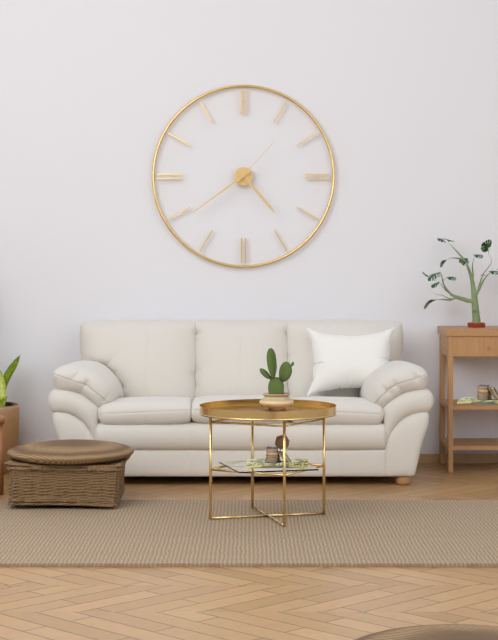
4:39:07
